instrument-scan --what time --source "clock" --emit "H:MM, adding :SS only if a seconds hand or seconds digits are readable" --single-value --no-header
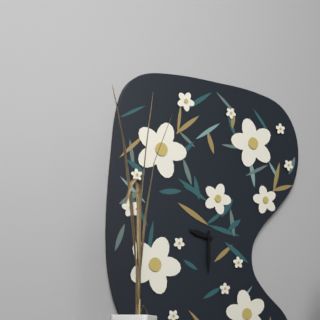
9:30
